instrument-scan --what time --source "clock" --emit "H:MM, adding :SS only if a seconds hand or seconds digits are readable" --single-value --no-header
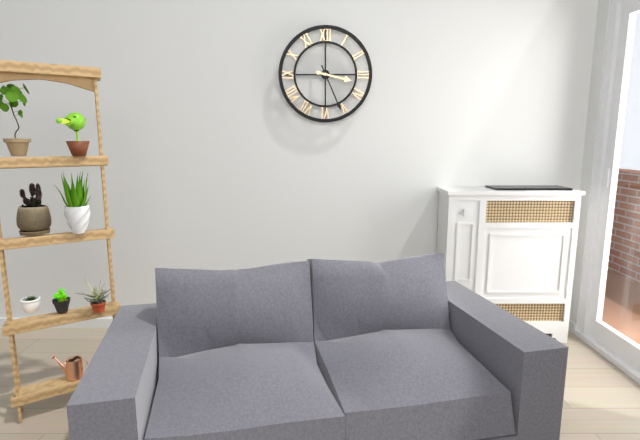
3:26
